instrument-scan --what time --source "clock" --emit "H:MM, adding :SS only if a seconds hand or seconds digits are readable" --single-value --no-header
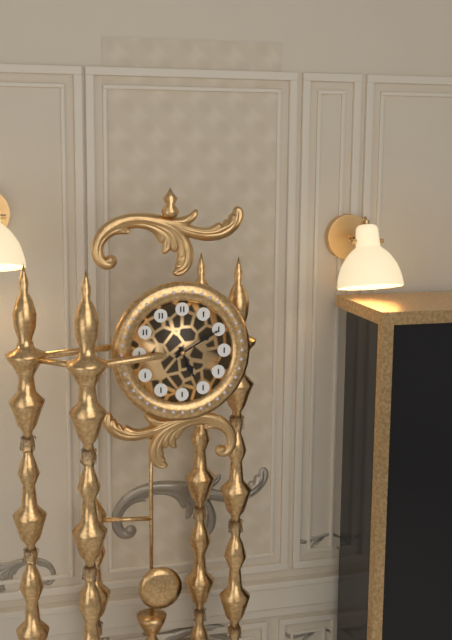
5:10
